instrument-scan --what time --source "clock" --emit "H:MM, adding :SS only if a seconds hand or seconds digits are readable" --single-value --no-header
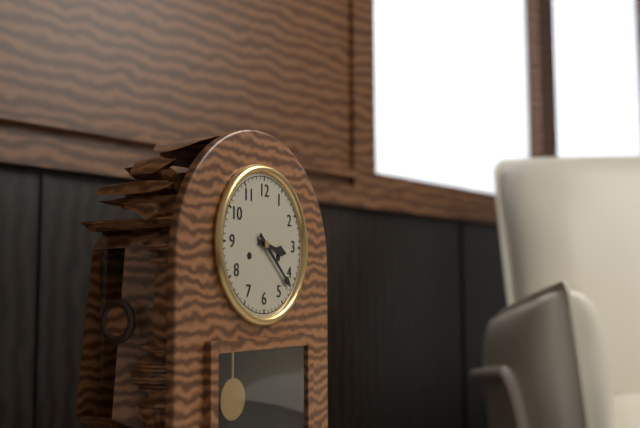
3:22
